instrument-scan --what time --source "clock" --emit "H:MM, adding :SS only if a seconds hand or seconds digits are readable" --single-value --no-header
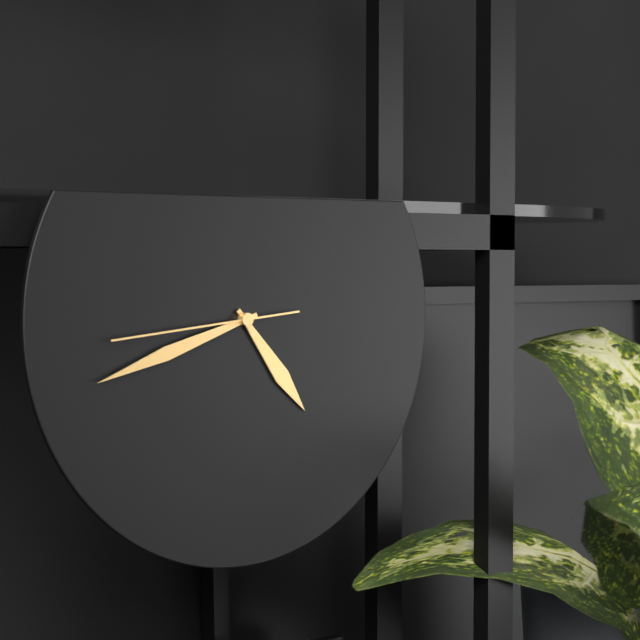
4:42:44
